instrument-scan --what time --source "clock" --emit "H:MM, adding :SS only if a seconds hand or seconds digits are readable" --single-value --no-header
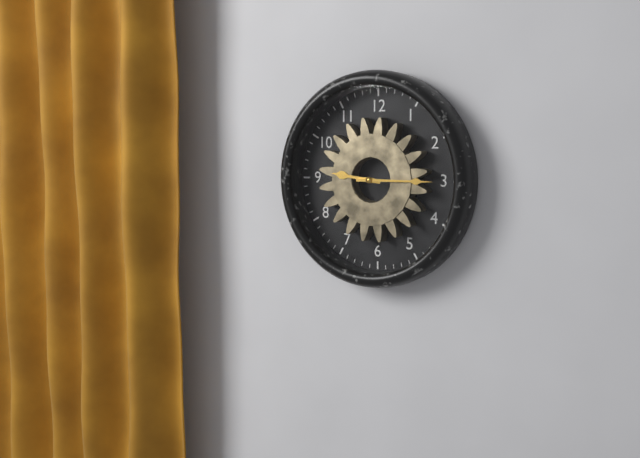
9:15
